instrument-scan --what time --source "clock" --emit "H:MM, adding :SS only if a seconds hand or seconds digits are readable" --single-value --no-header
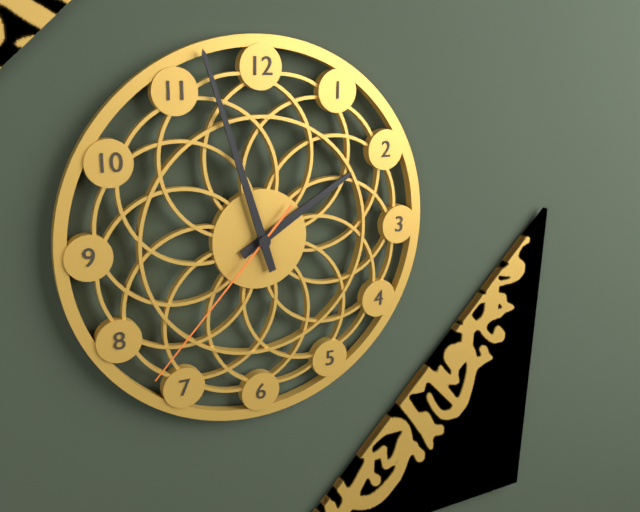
1:57:37
